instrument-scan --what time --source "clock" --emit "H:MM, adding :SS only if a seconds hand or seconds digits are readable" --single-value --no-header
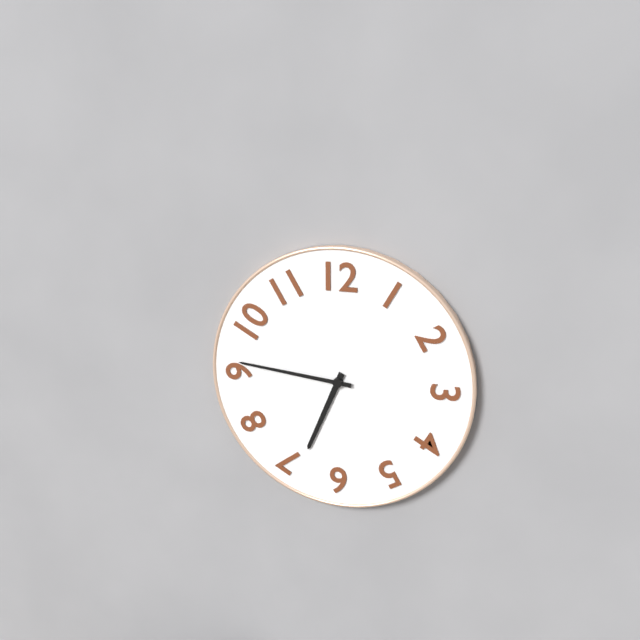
6:46
